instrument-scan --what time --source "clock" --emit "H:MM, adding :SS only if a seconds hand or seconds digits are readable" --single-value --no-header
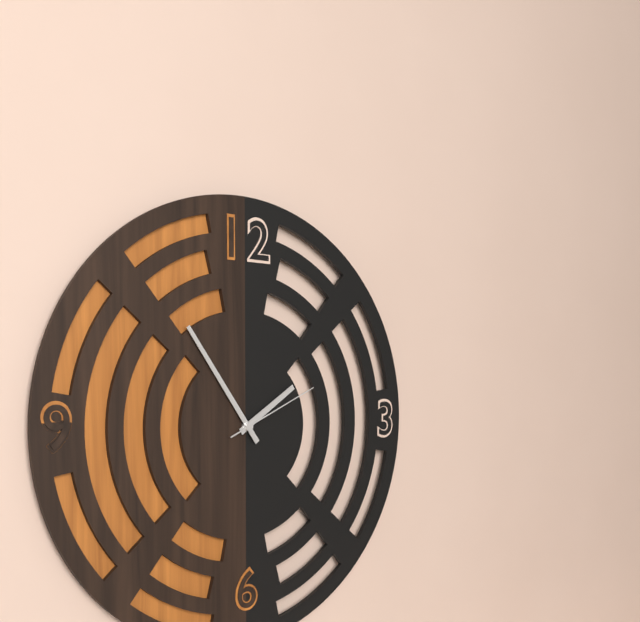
1:54:11
